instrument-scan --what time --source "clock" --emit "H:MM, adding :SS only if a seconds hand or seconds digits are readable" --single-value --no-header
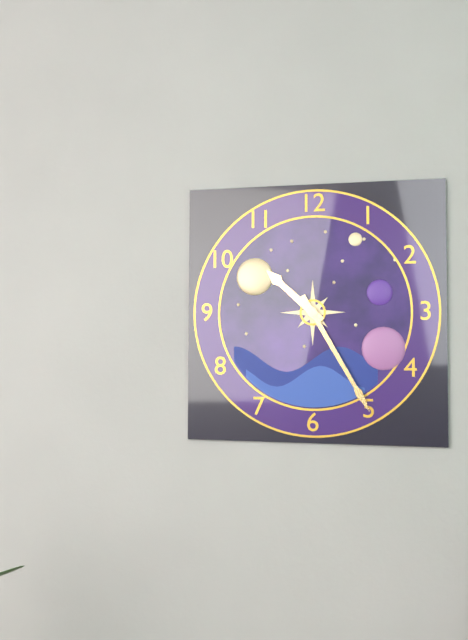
10:25
